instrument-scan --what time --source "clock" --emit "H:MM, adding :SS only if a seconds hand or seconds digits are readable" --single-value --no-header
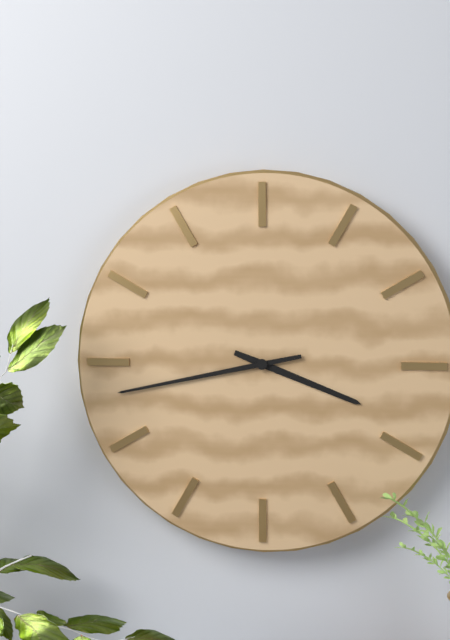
3:43
